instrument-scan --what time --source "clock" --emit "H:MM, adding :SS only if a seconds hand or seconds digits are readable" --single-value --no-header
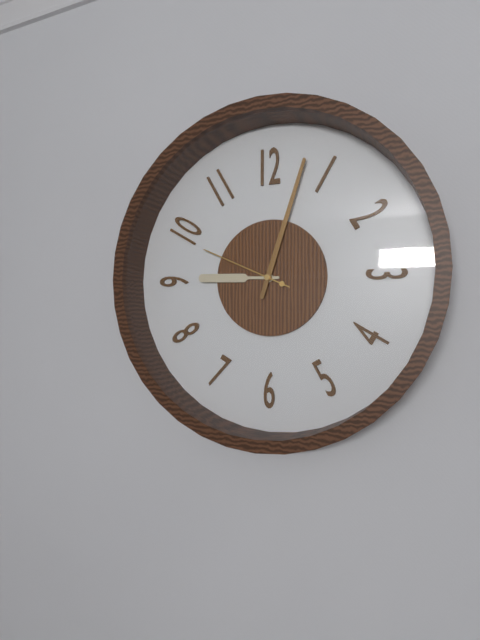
9:03:49
